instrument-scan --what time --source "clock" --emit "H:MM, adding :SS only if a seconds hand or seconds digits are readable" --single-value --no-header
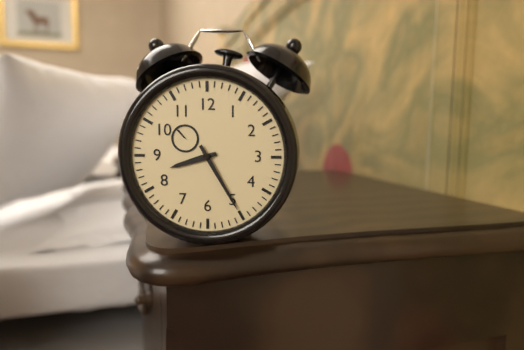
8:25
